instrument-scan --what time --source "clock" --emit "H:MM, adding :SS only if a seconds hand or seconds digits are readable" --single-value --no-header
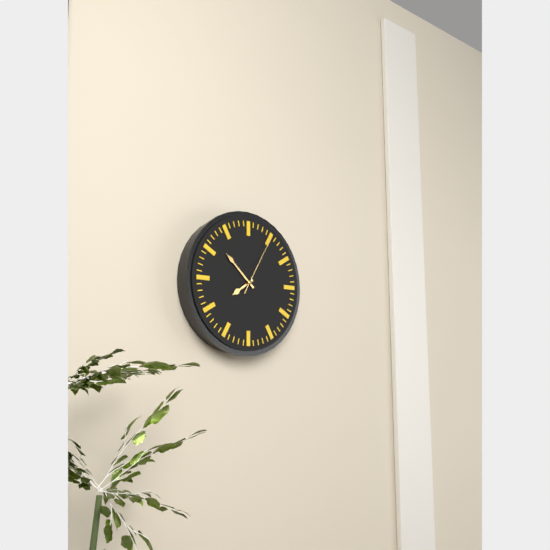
7:52:05
